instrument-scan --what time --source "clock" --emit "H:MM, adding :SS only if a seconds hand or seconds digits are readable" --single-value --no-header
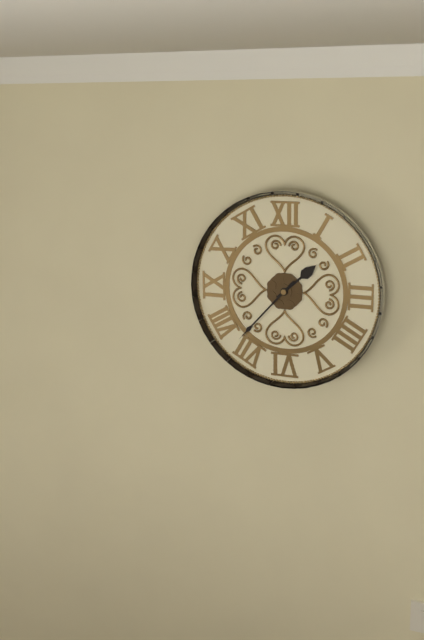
1:37
